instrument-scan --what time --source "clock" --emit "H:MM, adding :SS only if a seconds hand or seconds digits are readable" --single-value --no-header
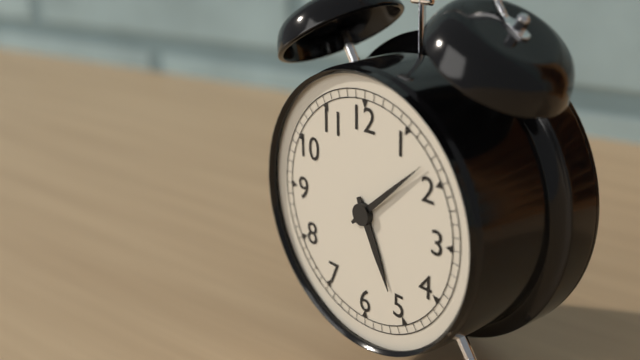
5:08
